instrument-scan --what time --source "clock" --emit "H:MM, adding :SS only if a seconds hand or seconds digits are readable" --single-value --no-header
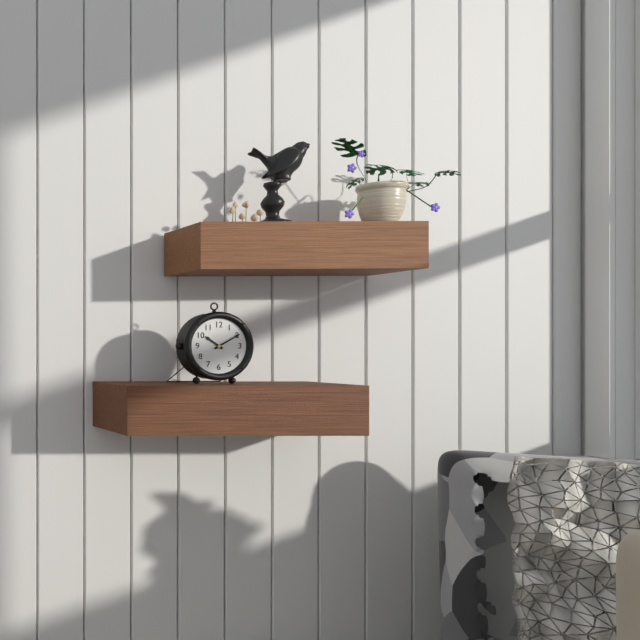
10:10
